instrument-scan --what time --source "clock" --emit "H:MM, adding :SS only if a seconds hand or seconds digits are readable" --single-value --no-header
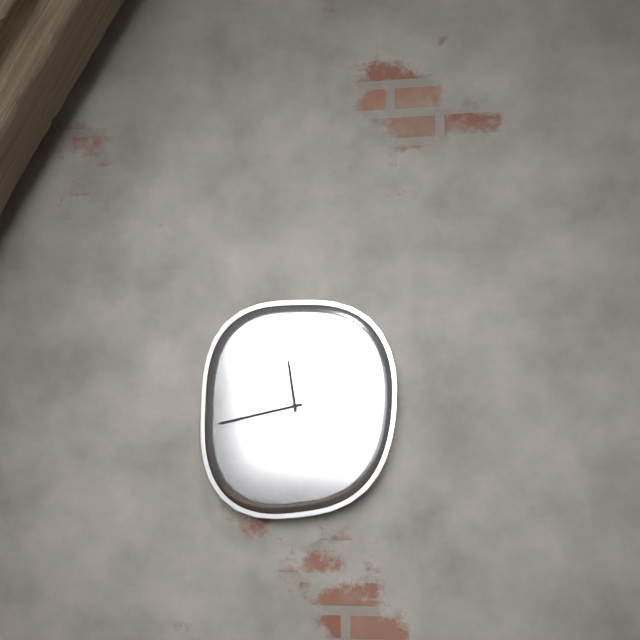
11:43
